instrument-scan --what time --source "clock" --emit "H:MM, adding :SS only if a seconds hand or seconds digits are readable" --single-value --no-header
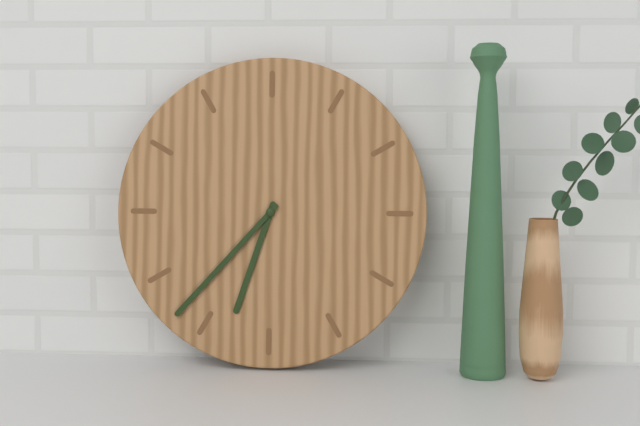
6:37
